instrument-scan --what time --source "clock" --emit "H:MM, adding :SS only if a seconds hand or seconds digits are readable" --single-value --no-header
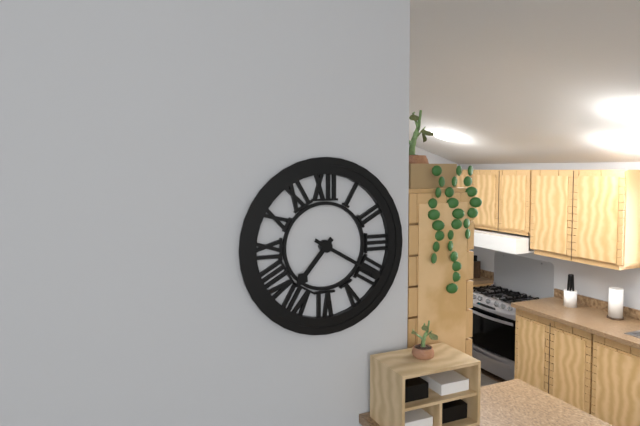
7:20
